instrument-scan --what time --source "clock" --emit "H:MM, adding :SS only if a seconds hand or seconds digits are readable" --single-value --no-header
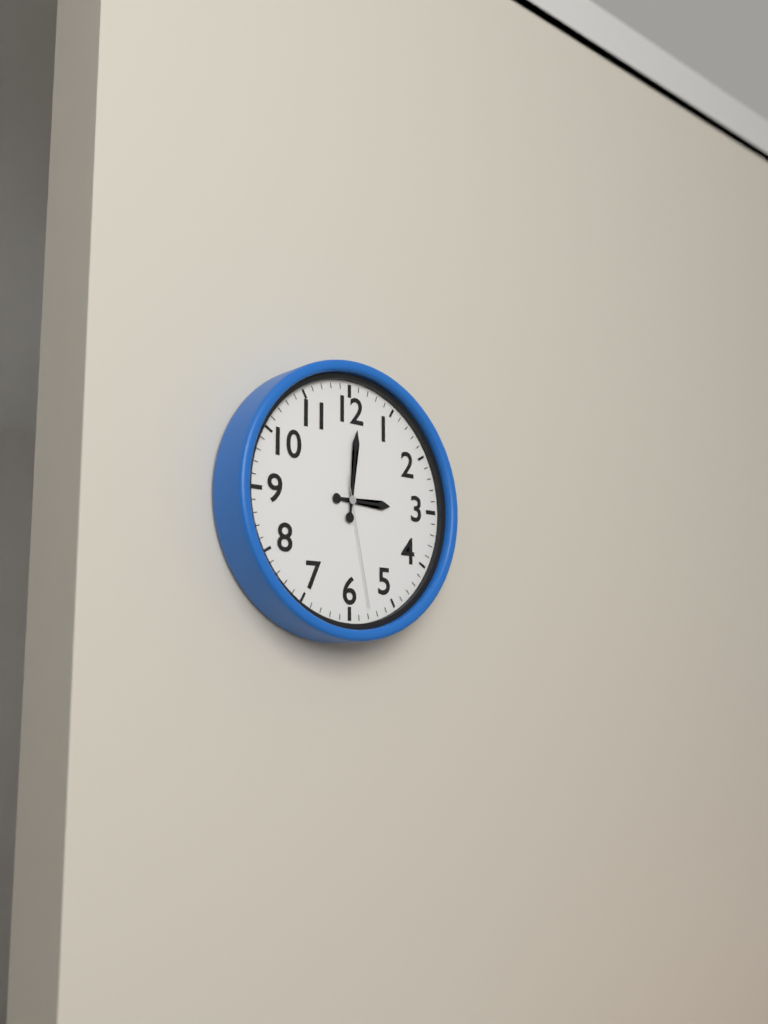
3:01:28
